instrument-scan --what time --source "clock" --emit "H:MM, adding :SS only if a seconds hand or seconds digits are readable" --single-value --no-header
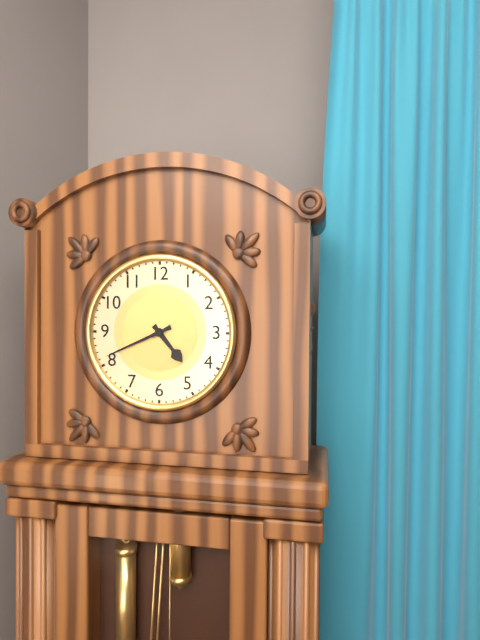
4:41
